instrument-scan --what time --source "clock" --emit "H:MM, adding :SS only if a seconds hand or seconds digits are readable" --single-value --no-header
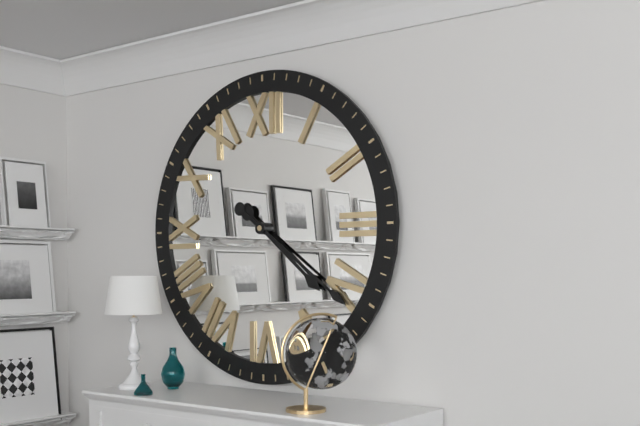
4:21
